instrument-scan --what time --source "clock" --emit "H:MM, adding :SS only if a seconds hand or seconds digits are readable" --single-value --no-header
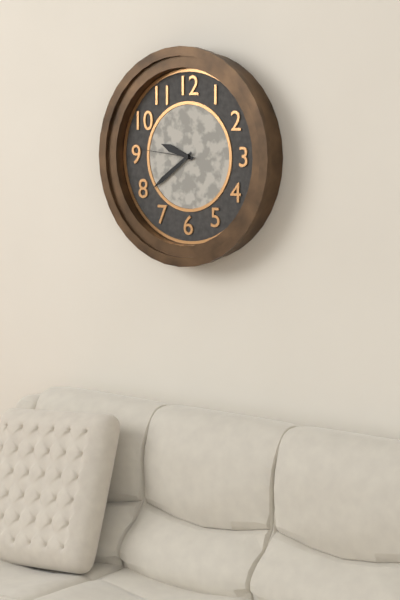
9:39:46
